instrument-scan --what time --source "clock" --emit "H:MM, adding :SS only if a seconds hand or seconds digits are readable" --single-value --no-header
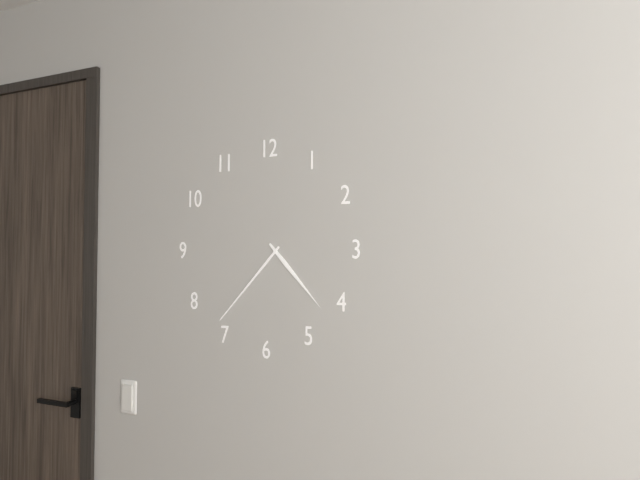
4:37
